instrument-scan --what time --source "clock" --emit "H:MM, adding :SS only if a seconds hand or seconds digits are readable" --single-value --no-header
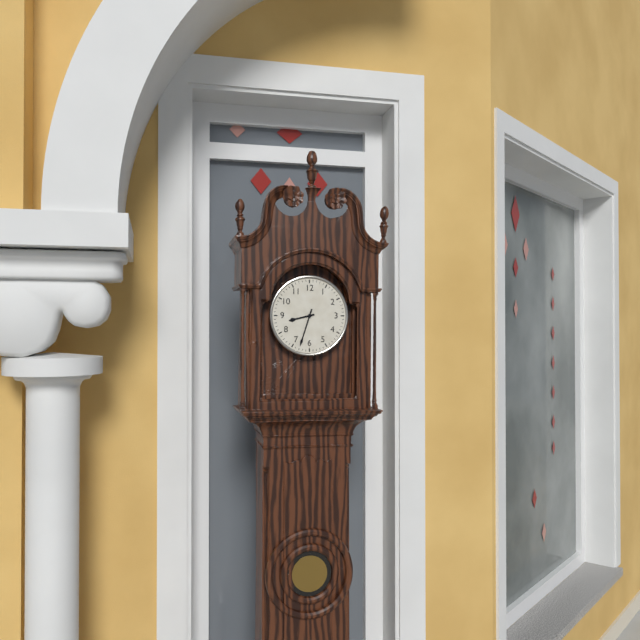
8:33
